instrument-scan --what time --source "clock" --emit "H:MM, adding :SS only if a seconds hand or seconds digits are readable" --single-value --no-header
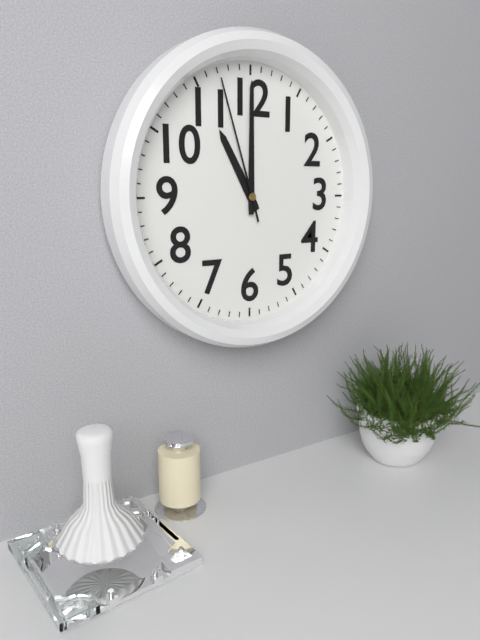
11:00:57
